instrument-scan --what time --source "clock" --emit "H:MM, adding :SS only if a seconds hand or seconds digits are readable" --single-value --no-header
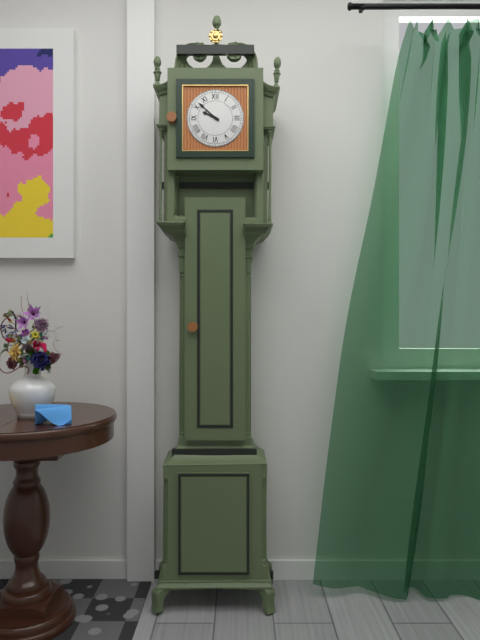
9:52
